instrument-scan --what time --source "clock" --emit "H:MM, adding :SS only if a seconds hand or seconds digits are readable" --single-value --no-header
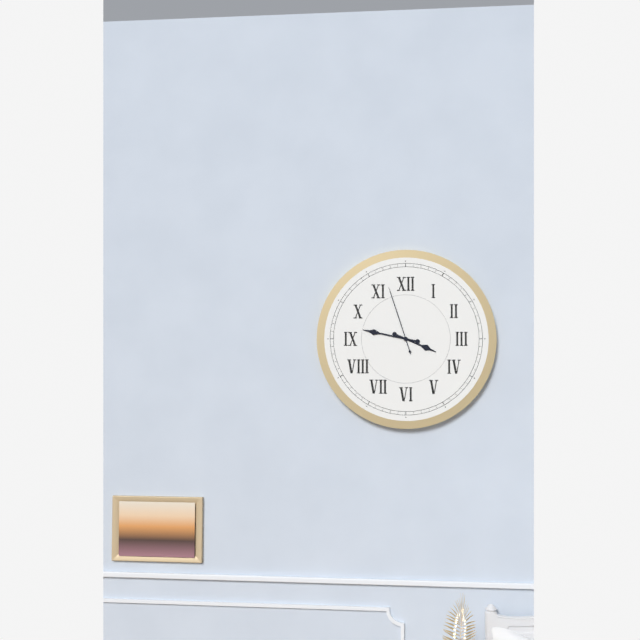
3:47:57
